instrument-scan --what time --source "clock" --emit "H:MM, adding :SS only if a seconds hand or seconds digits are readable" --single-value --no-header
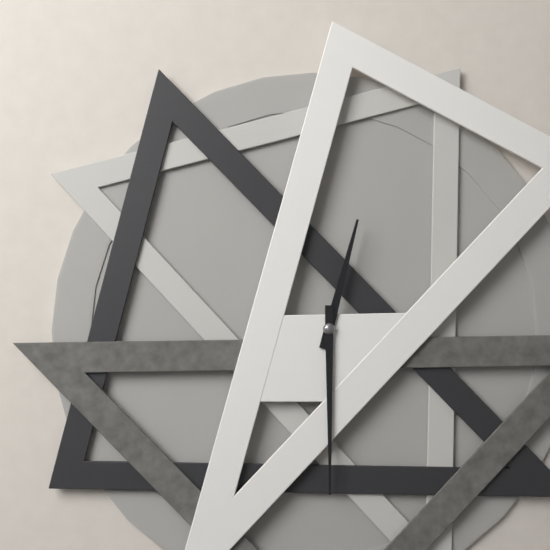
12:30
